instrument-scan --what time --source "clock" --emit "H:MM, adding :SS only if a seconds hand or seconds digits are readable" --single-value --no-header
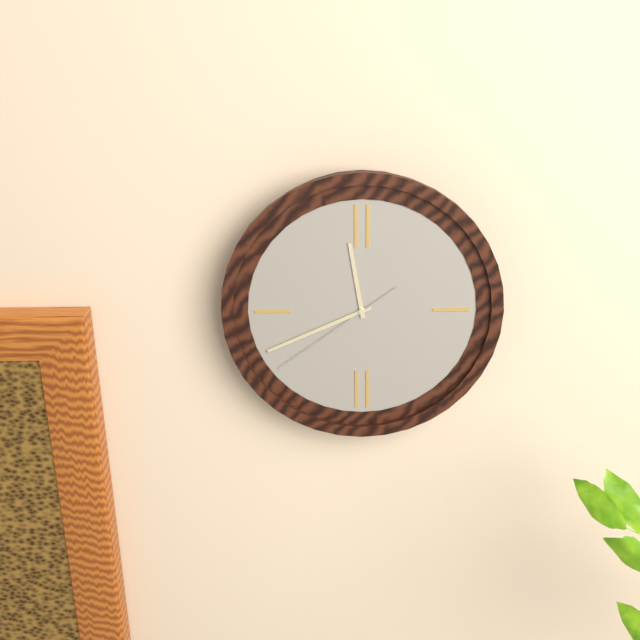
11:41:39
